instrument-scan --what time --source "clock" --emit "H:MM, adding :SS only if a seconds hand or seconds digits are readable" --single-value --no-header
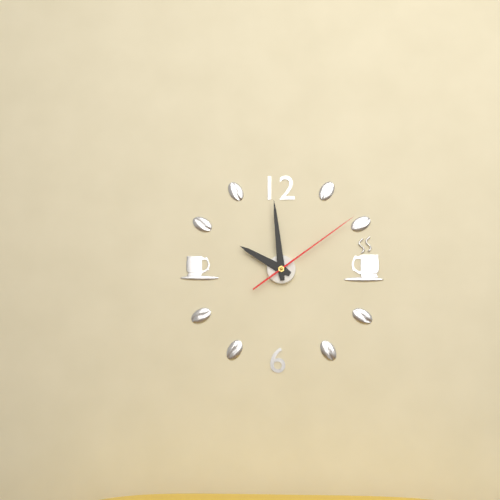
9:59:09
